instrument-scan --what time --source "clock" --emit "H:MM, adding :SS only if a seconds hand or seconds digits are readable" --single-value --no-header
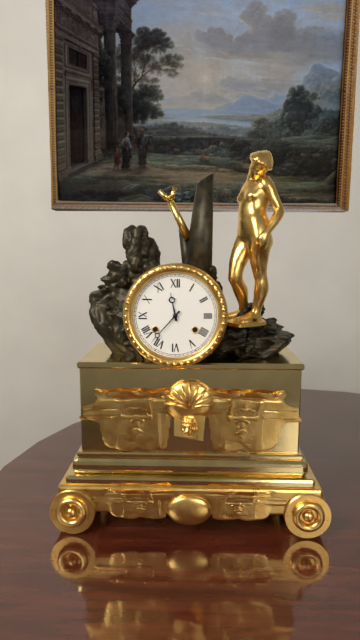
11:37
